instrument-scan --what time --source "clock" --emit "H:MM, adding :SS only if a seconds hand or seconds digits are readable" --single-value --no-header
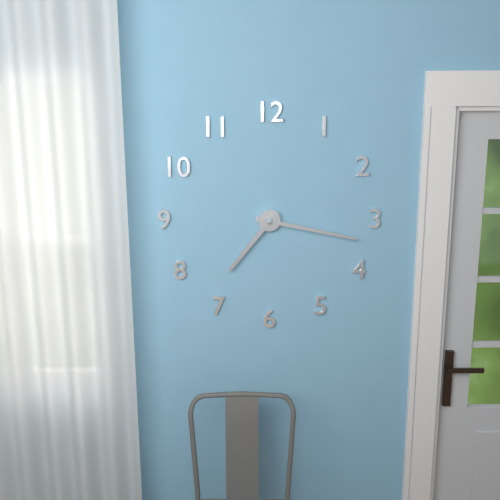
7:17
